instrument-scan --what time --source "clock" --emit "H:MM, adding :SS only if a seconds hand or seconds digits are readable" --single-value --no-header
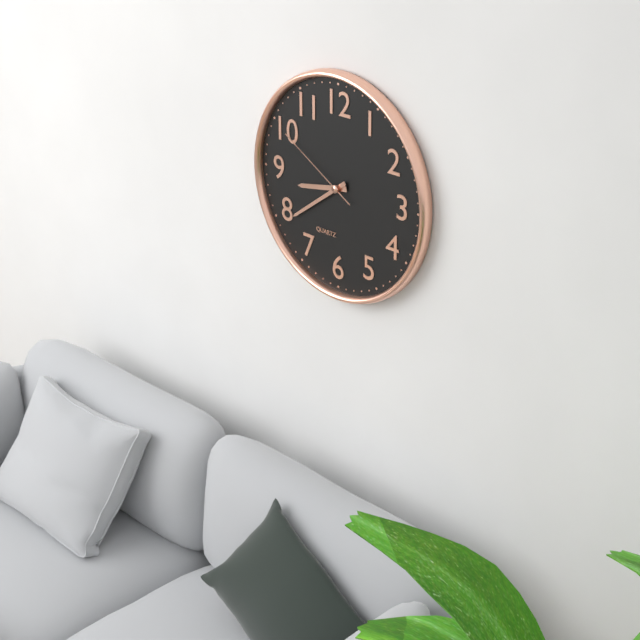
8:39:50
